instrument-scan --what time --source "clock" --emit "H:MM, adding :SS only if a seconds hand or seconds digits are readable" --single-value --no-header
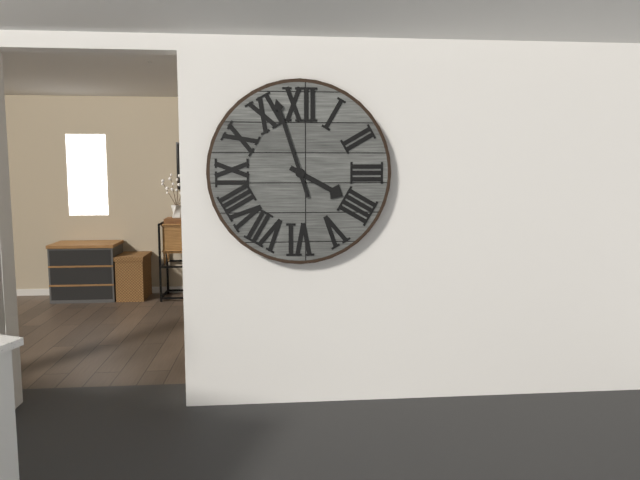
3:57
